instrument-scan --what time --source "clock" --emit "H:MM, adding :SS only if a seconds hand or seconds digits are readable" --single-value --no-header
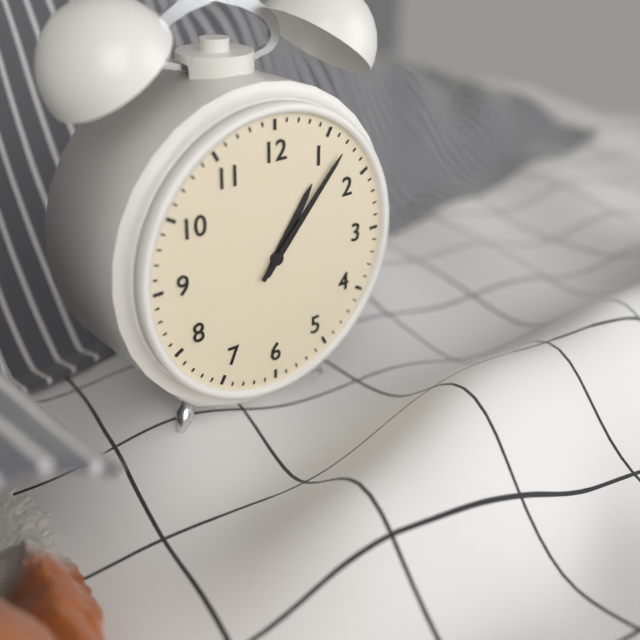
1:07
